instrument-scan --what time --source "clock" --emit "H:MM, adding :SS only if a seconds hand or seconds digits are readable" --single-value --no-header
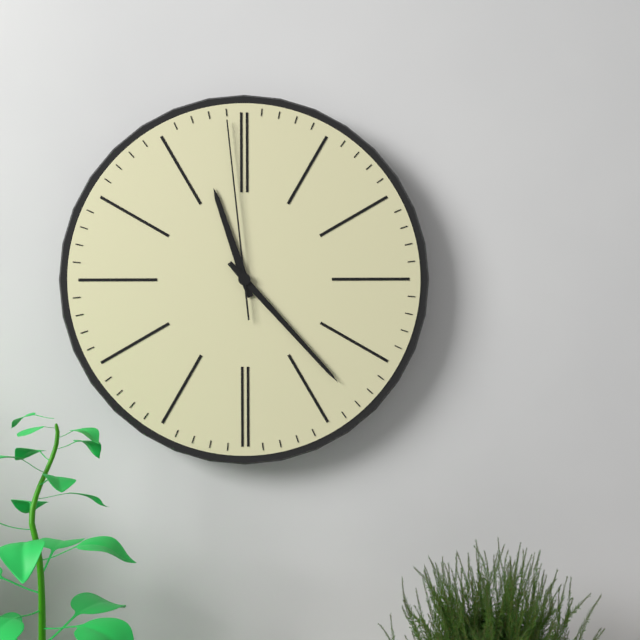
11:23:59
